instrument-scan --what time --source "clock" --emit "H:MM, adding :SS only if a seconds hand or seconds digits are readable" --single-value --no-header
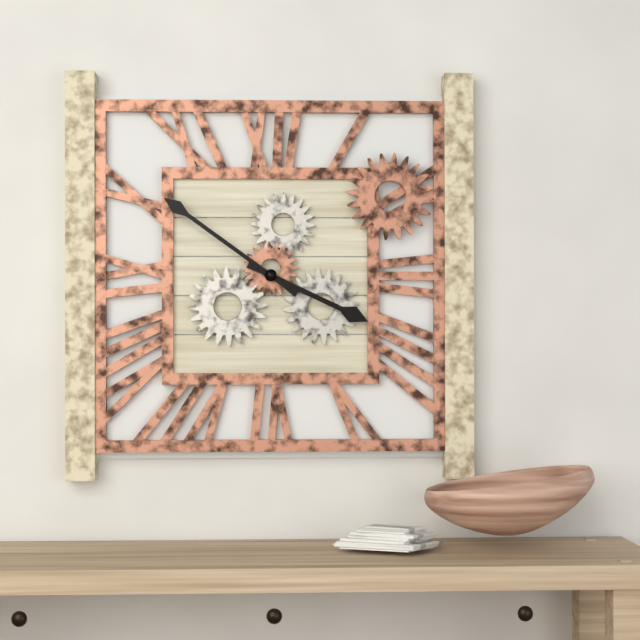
3:51
